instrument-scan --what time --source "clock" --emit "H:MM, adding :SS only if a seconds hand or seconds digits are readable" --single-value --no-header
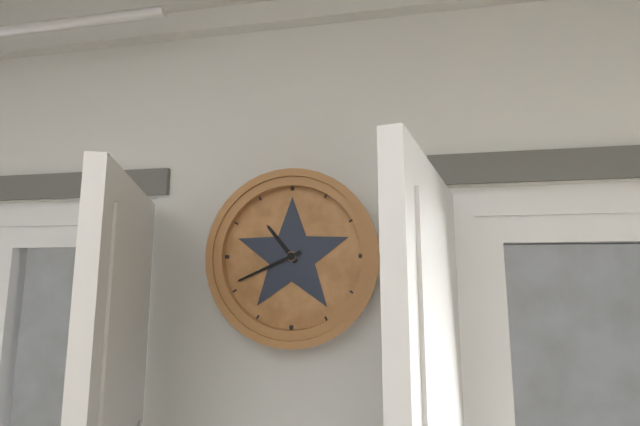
10:41
